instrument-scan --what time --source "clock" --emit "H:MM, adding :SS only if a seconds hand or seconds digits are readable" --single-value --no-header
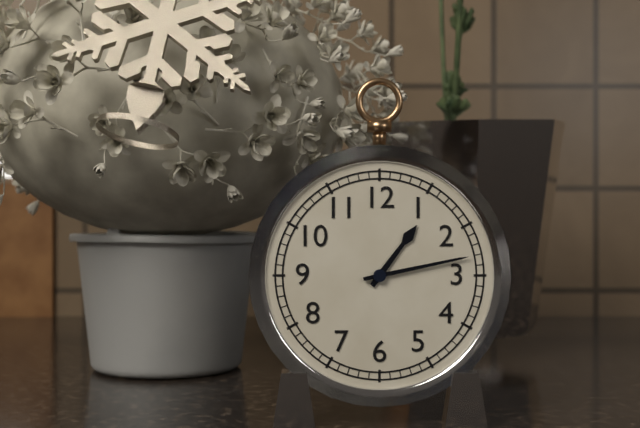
1:13
